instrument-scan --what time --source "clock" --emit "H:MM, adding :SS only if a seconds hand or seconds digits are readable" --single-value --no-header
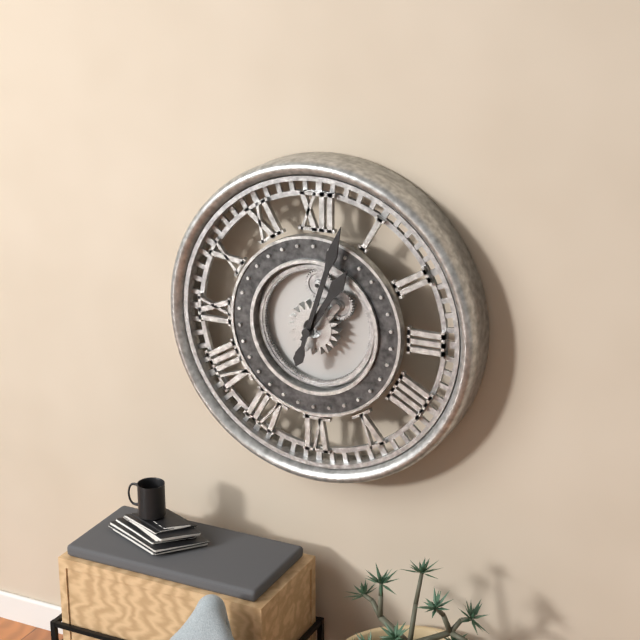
1:03
